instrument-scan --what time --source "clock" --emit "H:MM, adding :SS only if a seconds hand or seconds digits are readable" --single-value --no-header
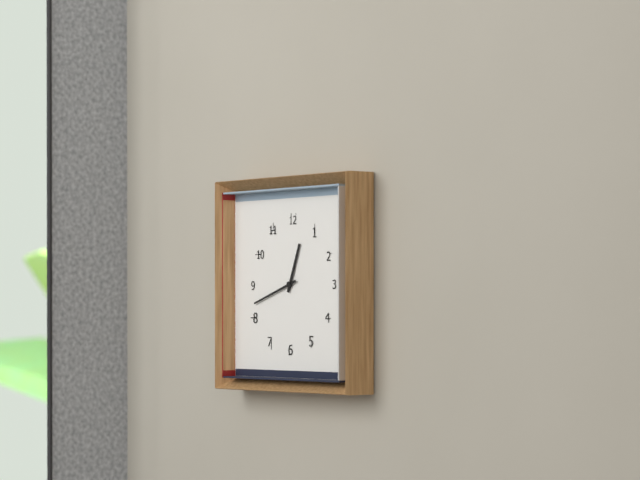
12:42
